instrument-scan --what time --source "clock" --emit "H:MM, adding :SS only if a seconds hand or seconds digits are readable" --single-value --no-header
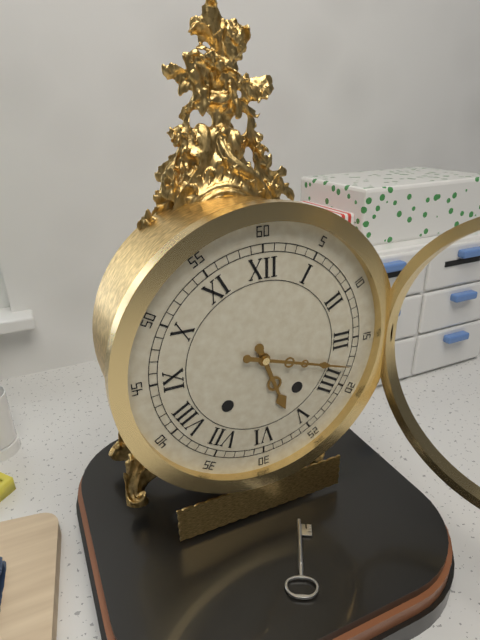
5:18
